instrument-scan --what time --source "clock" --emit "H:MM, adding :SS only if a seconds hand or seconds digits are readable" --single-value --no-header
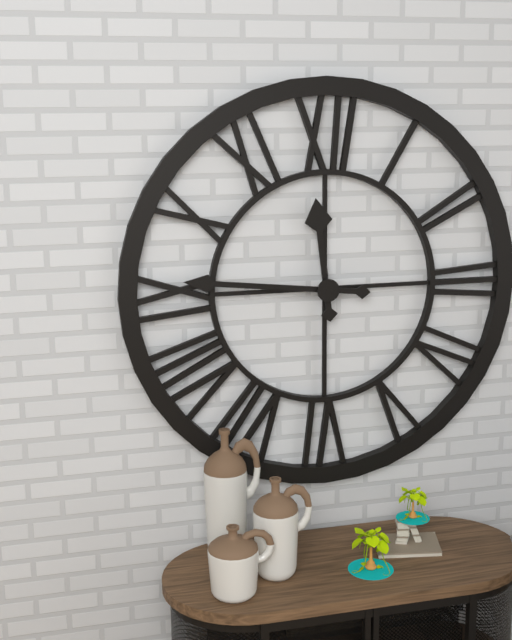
11:46
